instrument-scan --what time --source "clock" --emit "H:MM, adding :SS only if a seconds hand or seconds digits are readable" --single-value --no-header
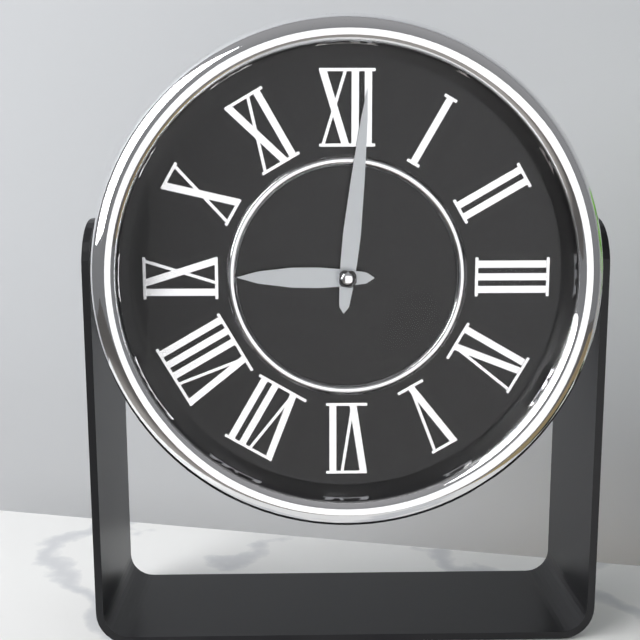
9:01
